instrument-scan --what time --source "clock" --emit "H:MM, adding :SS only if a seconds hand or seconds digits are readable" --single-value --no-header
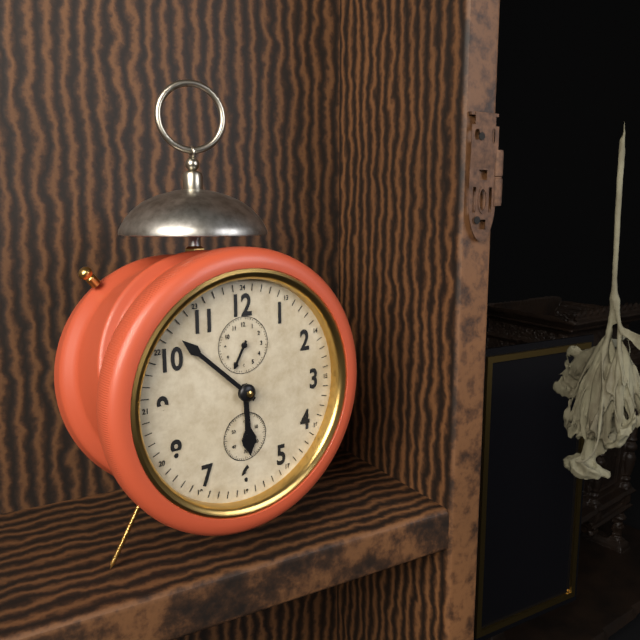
5:52
